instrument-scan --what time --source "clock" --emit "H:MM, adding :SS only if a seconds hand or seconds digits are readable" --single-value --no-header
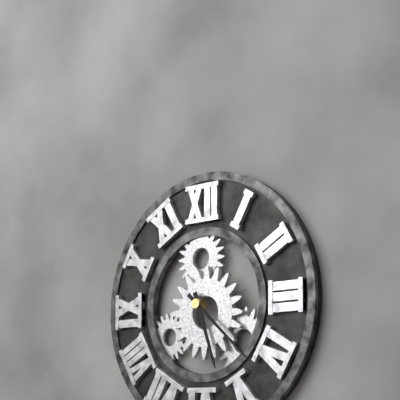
5:22
